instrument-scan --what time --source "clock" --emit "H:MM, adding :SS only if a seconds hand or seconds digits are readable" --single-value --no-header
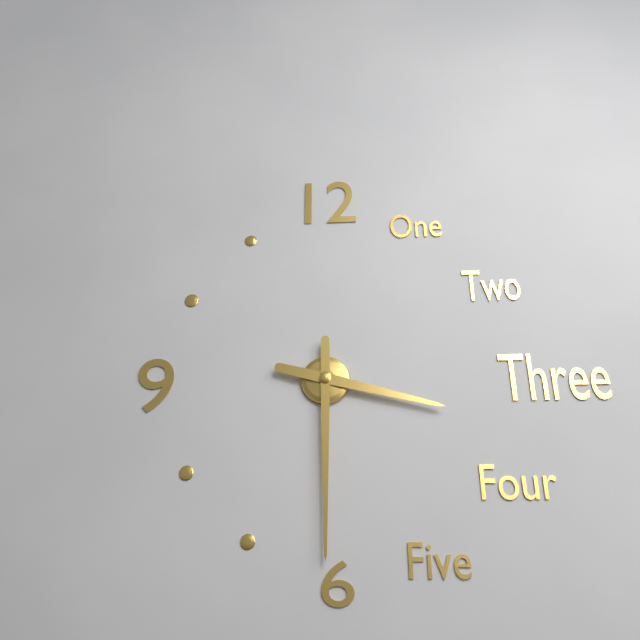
3:30
